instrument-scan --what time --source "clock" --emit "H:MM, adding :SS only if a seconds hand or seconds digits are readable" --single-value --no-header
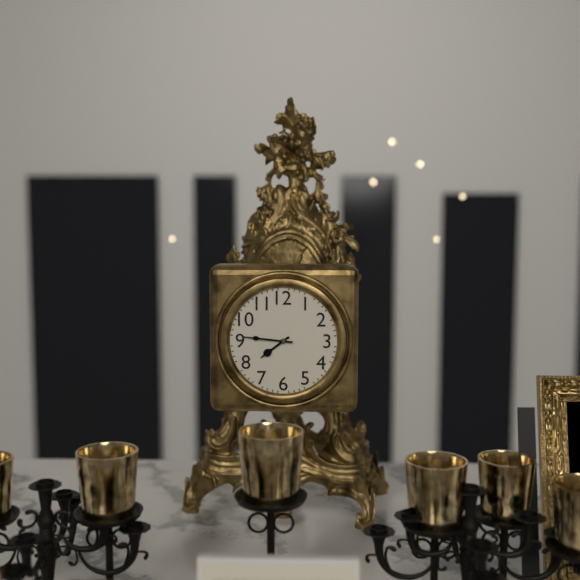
7:46
